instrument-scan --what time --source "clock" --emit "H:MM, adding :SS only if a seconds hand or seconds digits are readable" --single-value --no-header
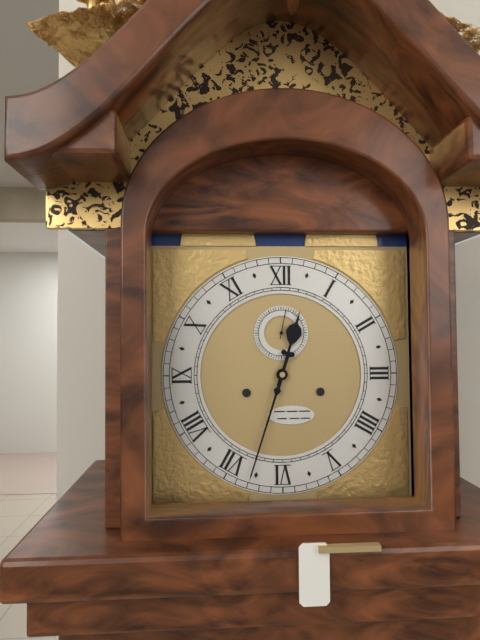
12:33
